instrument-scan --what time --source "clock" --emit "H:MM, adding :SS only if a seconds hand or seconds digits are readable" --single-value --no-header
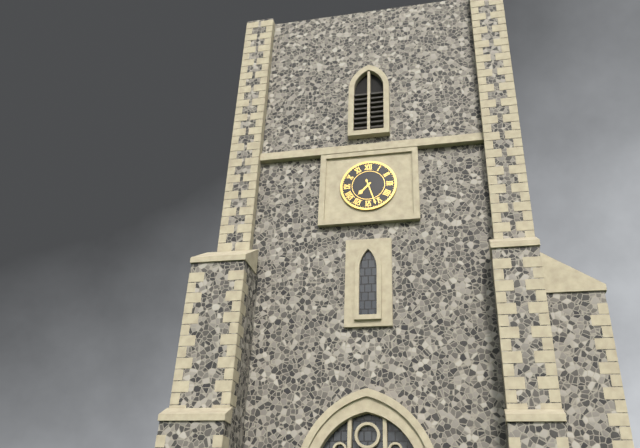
7:27
